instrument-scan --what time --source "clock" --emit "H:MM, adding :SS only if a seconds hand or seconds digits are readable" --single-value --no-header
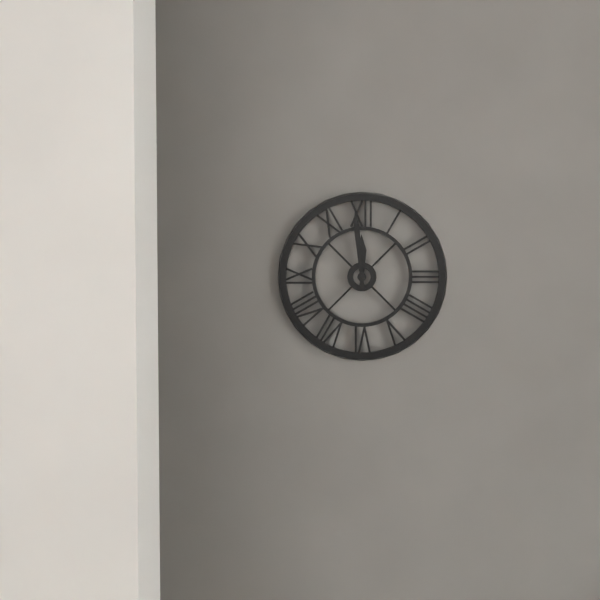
11:59
